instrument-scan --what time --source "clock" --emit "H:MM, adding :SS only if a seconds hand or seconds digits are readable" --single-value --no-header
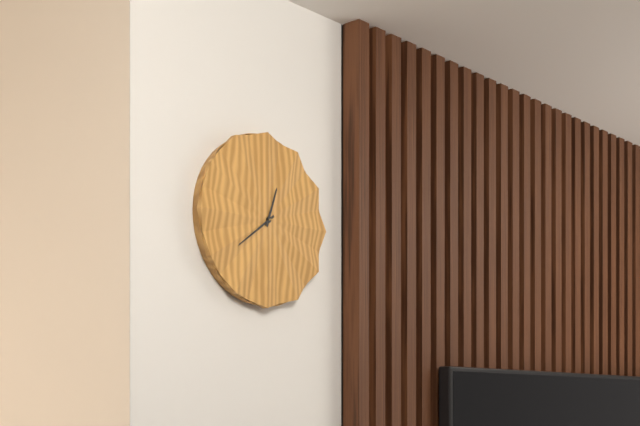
12:39
